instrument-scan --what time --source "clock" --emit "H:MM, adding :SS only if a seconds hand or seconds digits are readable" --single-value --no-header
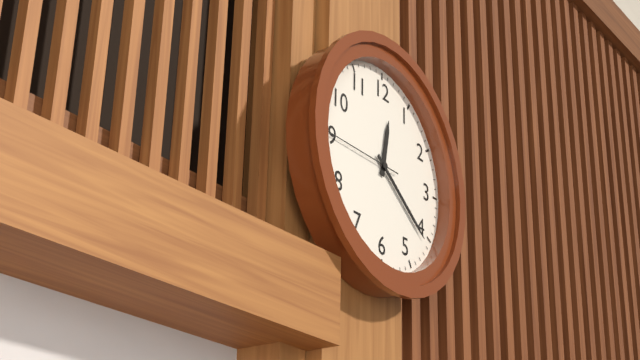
12:21:45
